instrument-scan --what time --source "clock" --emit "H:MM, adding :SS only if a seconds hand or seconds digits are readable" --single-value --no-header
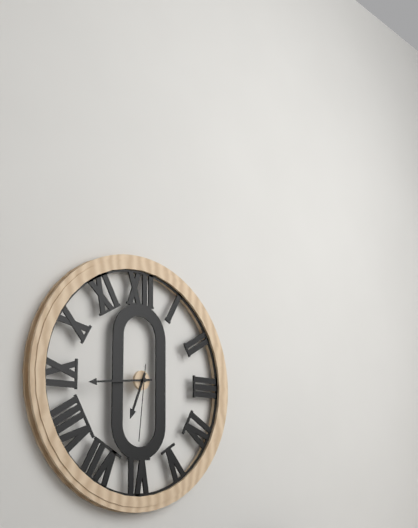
6:44:31
